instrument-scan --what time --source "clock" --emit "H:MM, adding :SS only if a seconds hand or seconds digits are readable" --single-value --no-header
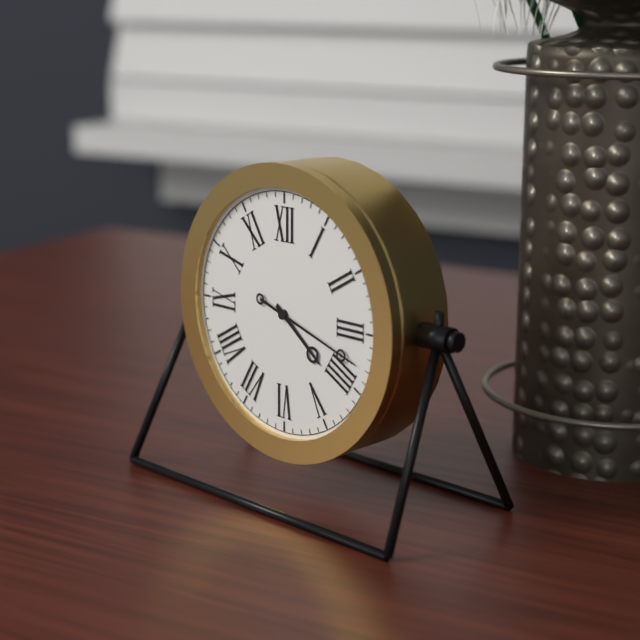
4:18
